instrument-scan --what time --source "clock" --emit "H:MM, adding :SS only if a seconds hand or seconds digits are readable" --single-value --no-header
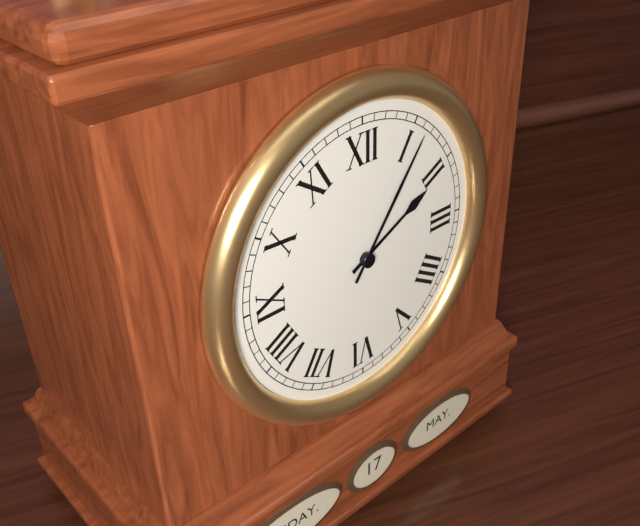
2:06
